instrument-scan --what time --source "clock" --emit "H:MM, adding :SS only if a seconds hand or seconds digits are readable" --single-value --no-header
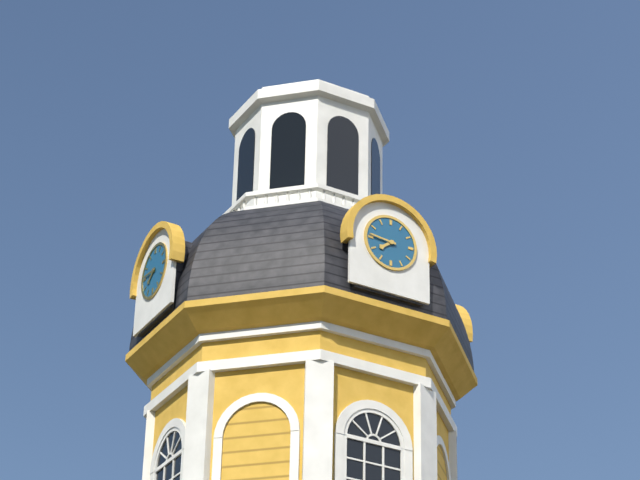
7:46
